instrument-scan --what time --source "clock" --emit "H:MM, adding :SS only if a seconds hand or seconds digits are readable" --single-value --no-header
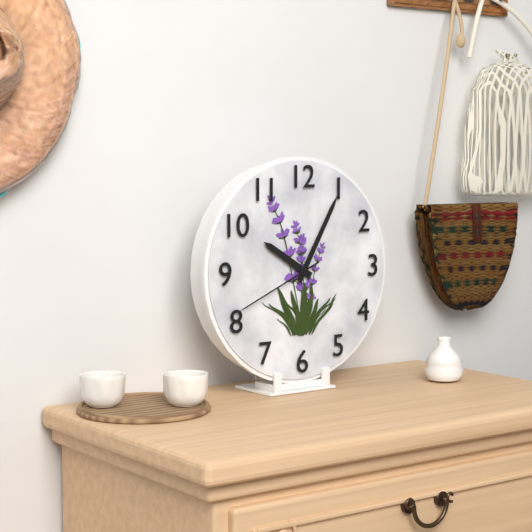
10:05:41
